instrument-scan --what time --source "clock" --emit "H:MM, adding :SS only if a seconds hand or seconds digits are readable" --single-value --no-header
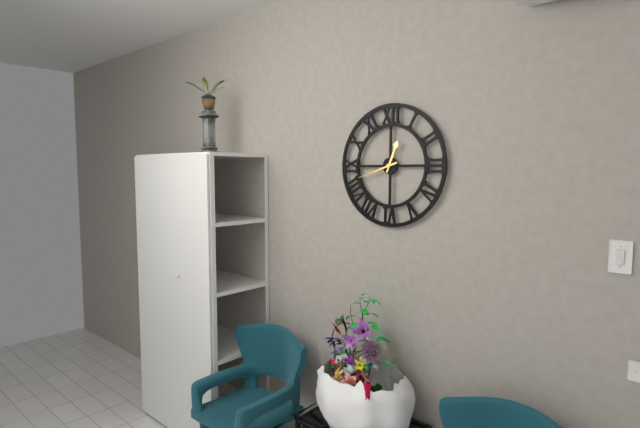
12:42
